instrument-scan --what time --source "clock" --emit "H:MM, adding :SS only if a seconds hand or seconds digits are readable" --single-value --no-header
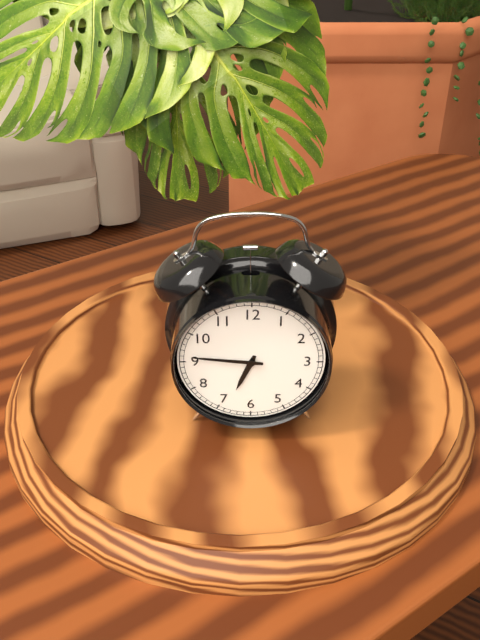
6:46
